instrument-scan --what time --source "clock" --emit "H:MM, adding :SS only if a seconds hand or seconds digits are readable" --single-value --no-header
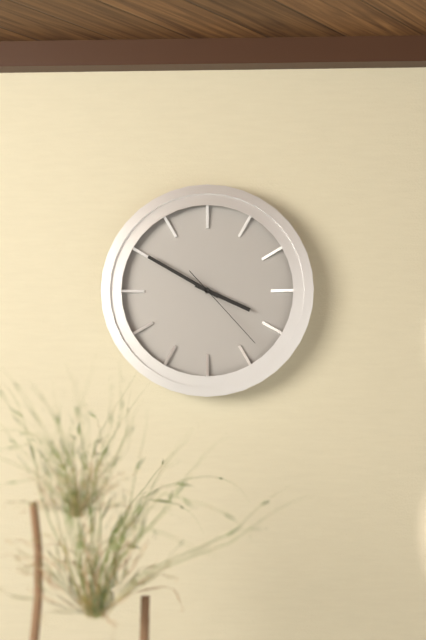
3:50:23
